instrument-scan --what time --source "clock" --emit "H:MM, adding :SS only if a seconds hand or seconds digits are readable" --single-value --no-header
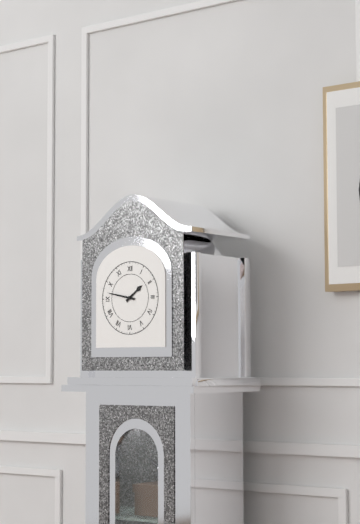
1:47
